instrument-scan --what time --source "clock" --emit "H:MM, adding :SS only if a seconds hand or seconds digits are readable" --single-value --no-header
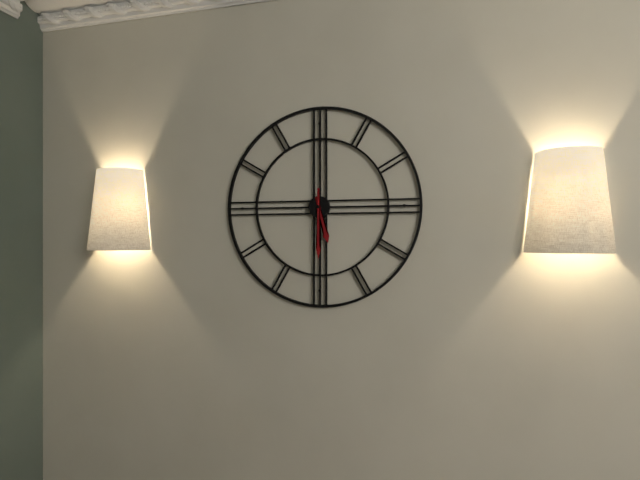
5:30
